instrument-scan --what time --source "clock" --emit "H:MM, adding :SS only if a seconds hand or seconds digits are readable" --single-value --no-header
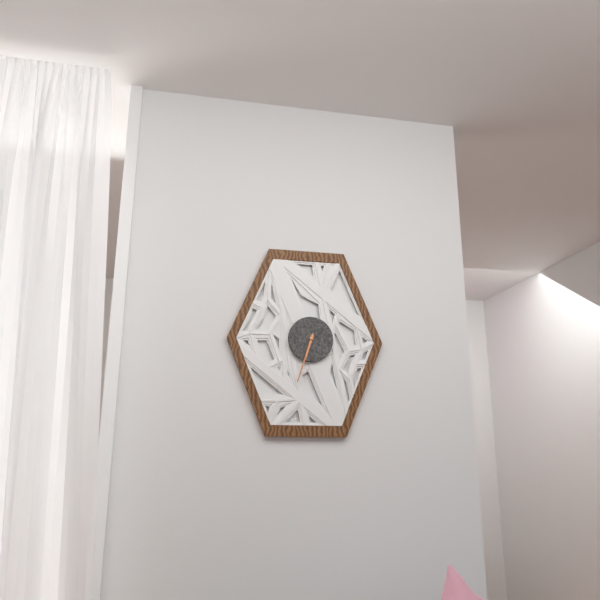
6:33
